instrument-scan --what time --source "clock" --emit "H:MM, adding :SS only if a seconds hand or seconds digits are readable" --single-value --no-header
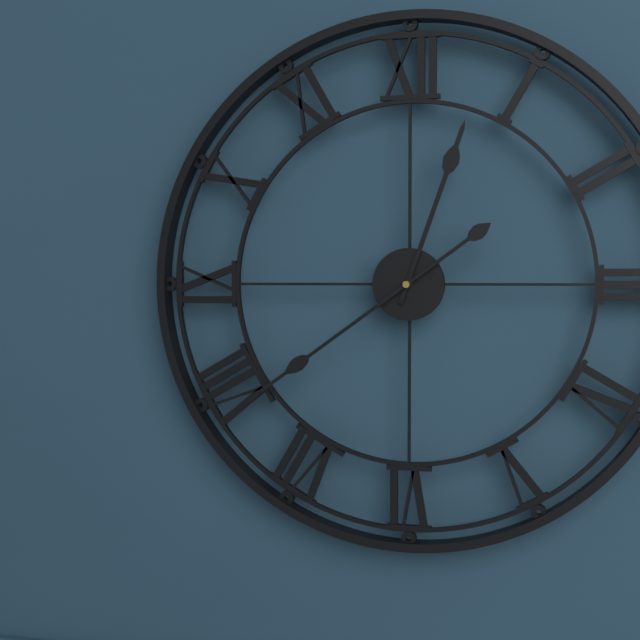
12:39
